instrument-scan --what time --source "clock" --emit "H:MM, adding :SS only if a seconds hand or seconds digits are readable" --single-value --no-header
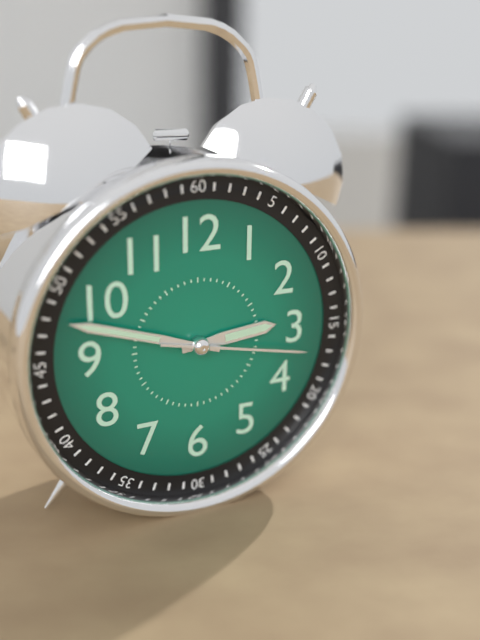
2:48:17
